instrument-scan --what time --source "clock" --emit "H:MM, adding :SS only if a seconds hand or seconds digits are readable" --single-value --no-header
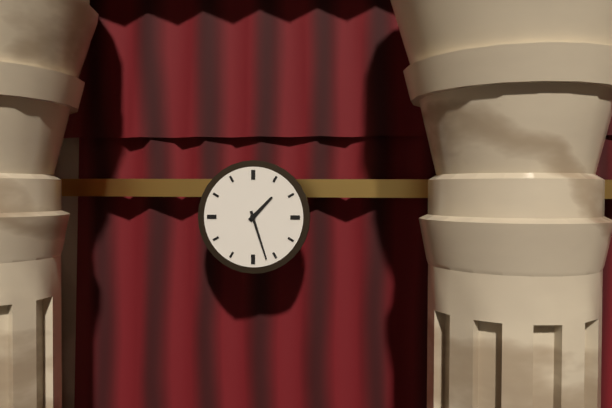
1:27
